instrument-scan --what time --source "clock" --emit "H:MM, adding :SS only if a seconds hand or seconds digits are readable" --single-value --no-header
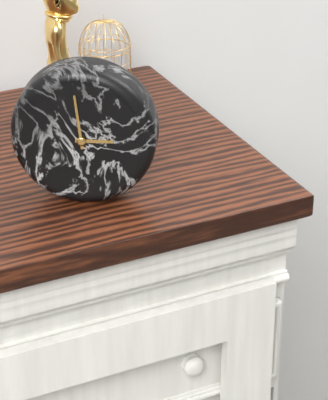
2:59
